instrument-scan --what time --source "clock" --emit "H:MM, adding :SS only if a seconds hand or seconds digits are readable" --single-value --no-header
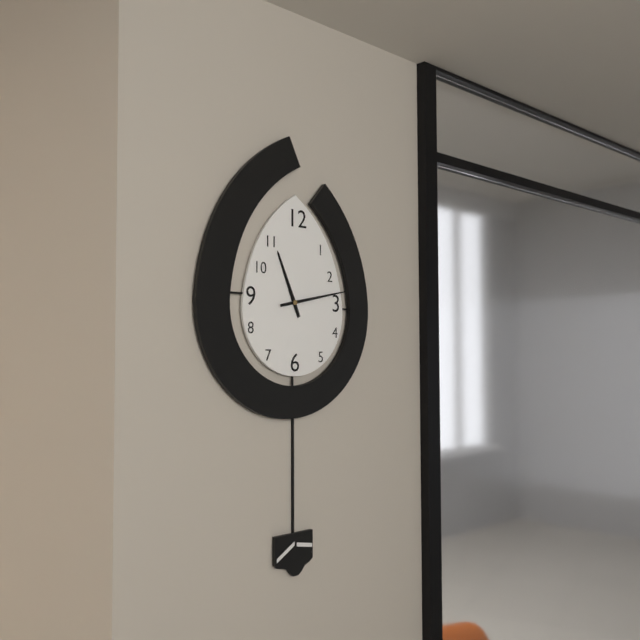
11:13
